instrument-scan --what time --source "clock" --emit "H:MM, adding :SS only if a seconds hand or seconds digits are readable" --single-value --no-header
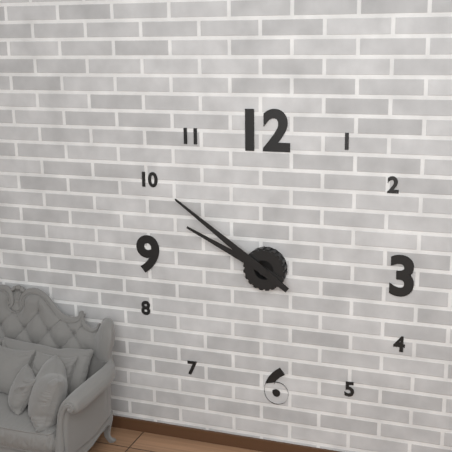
9:51
